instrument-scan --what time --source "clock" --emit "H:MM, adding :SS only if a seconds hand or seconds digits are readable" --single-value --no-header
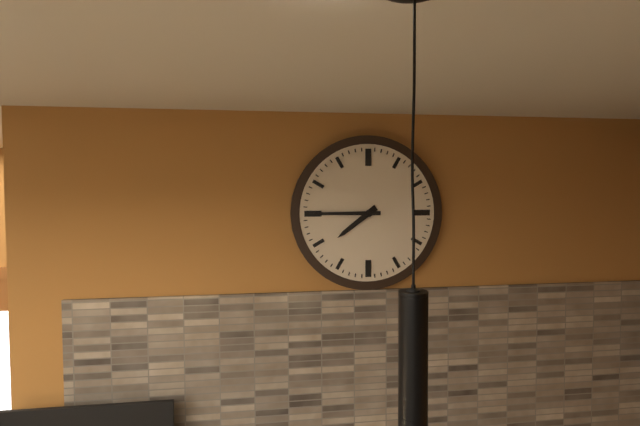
7:45
